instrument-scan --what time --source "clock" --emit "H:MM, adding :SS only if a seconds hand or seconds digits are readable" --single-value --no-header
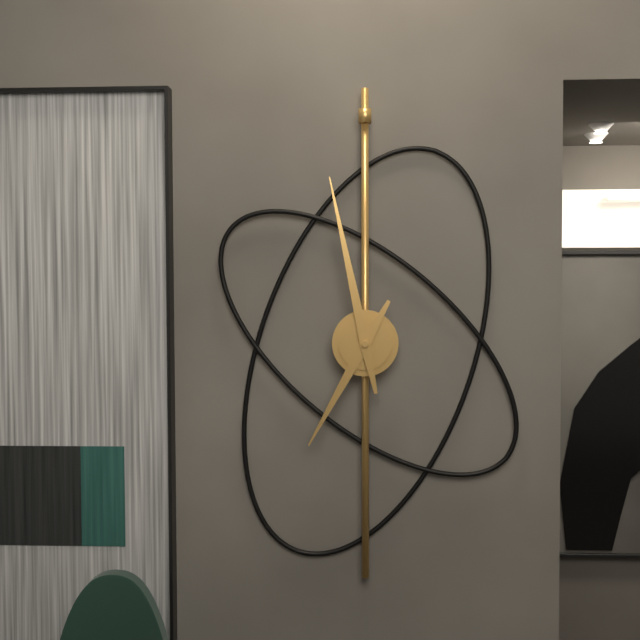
6:58
